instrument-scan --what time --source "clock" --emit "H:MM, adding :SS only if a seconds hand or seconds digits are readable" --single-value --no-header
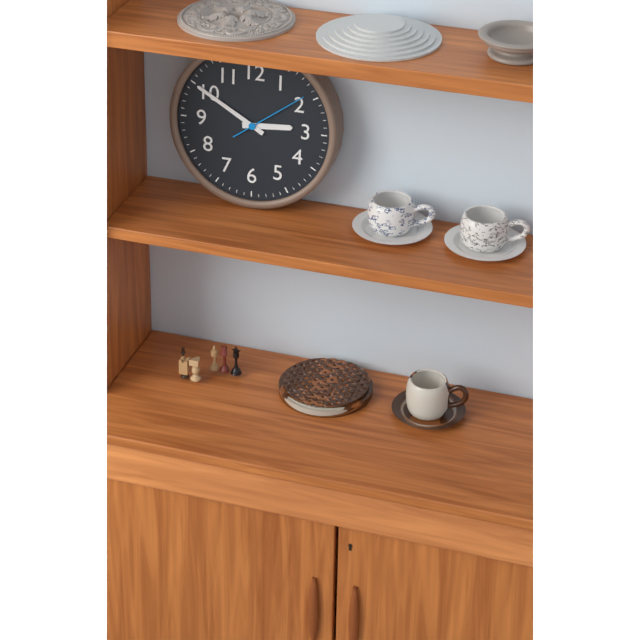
2:50:09
